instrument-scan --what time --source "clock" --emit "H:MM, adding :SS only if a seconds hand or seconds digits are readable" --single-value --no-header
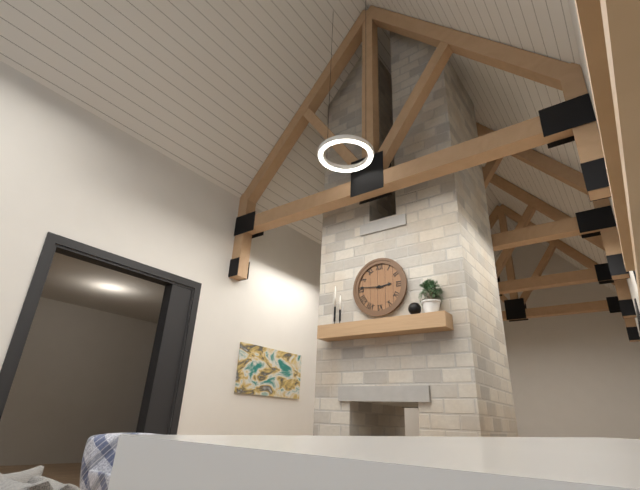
2:46
